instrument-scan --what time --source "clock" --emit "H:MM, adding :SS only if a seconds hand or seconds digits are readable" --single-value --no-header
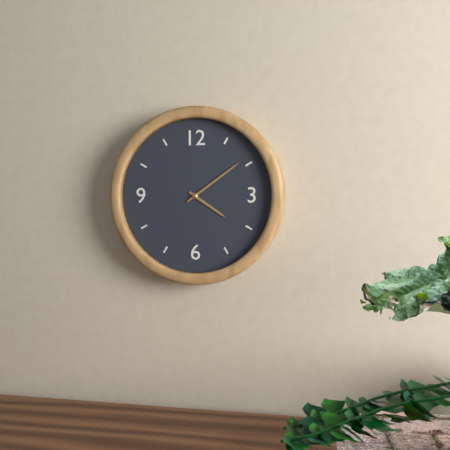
4:09
